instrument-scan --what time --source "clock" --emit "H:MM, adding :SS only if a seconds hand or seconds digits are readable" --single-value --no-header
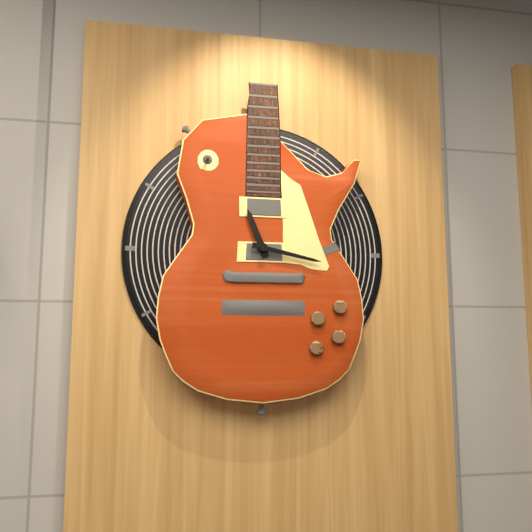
11:17
